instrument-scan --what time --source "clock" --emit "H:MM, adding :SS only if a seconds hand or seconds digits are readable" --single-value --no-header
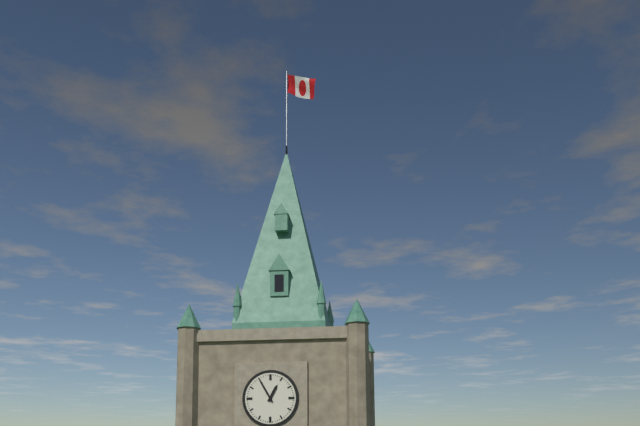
12:55
